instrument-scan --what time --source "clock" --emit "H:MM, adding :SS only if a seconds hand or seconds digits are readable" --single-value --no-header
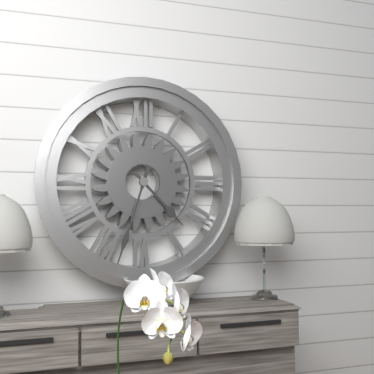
4:33
